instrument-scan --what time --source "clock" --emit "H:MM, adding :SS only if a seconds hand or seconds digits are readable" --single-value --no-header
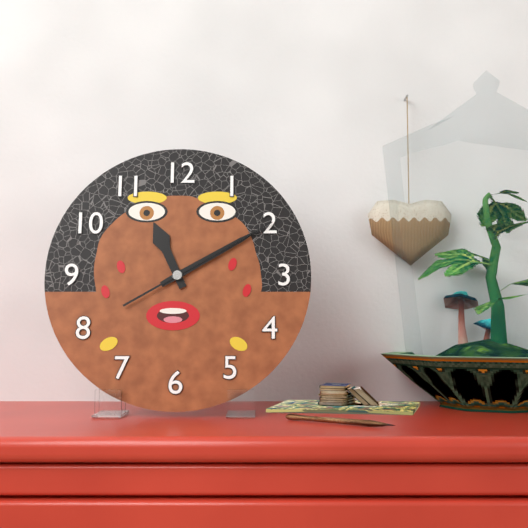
11:10:10
